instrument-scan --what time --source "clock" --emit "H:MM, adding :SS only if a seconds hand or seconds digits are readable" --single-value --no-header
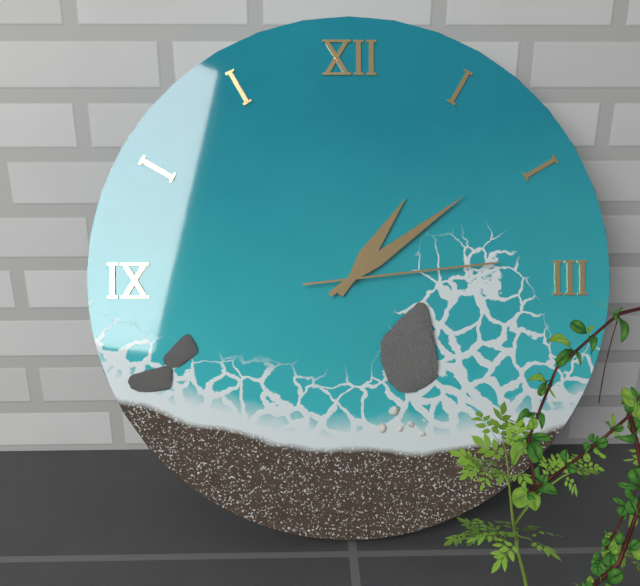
1:09:14
